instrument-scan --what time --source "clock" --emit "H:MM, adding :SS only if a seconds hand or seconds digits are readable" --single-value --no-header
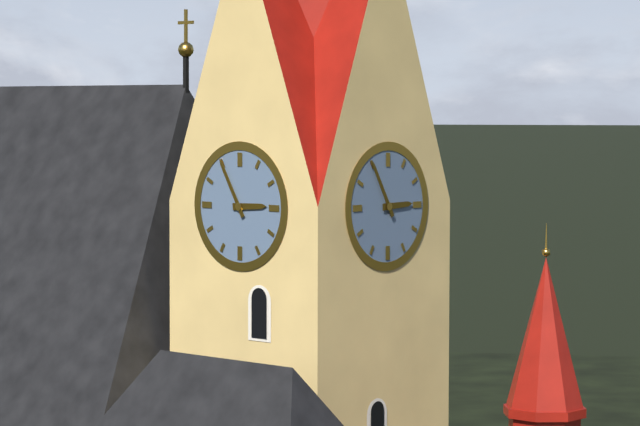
2:55
